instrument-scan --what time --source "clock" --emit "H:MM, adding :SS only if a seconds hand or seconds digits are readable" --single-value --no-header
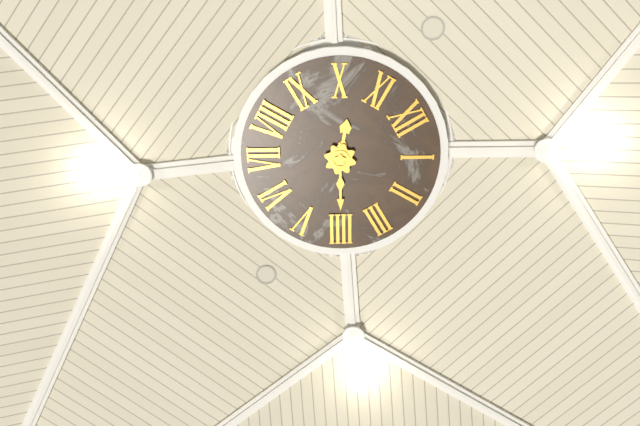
10:20
